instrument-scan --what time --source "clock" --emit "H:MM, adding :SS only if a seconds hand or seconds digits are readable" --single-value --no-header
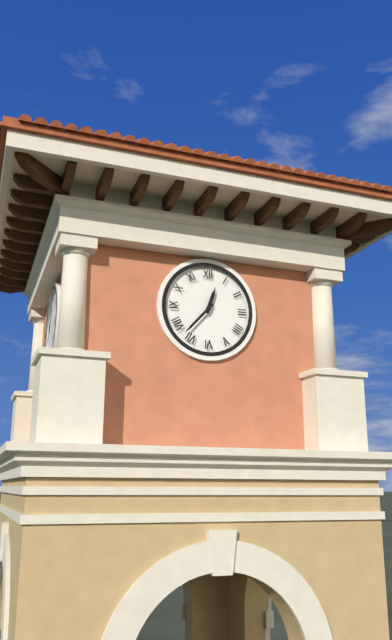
12:37
